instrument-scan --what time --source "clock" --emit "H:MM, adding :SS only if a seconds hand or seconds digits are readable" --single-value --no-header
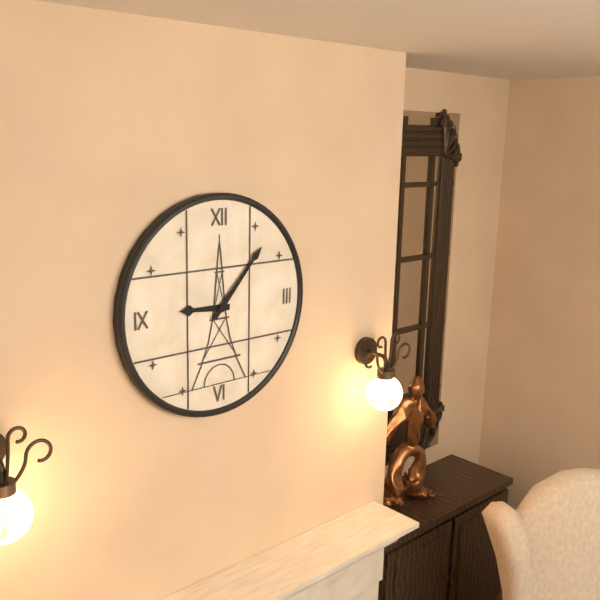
9:07
